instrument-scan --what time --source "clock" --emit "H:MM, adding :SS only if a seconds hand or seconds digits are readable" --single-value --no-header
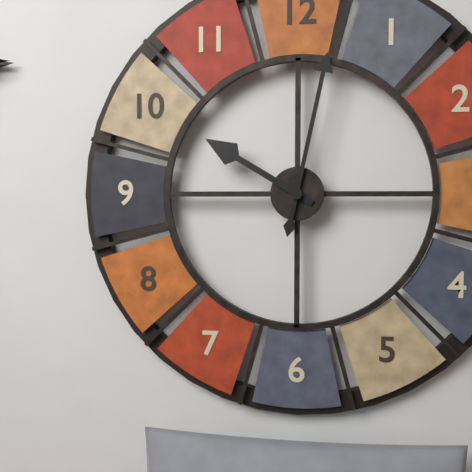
10:02
